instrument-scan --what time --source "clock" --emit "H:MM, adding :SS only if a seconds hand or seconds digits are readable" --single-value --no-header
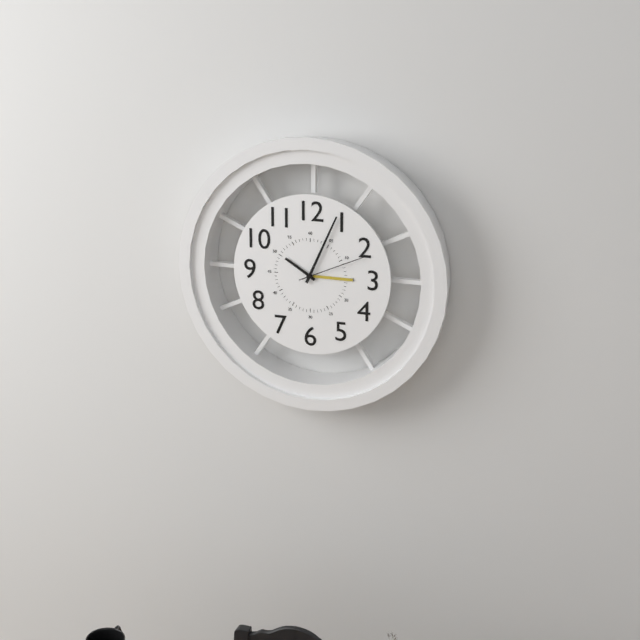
10:04:11
